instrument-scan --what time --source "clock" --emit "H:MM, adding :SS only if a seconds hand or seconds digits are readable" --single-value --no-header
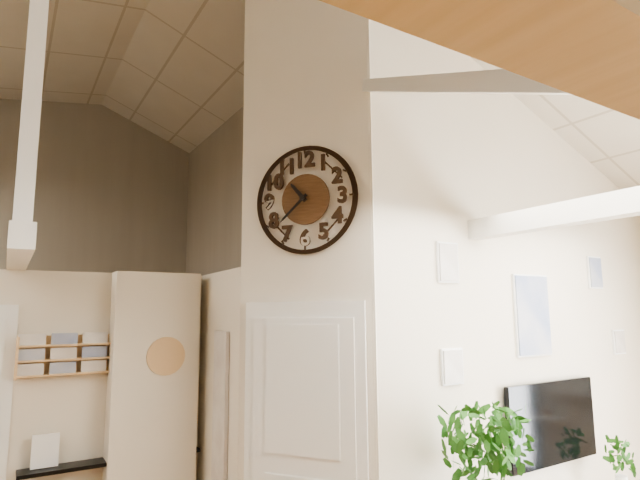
10:38
